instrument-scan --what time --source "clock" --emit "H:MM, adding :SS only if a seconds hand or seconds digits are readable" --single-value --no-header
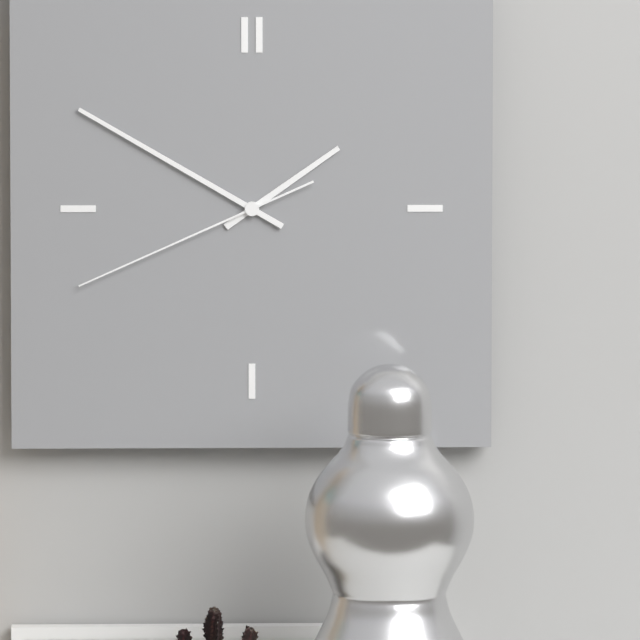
1:50:41
